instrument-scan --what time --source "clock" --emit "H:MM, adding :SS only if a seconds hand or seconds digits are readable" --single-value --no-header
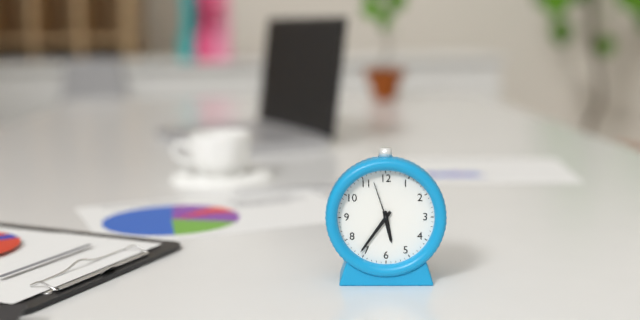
5:36
